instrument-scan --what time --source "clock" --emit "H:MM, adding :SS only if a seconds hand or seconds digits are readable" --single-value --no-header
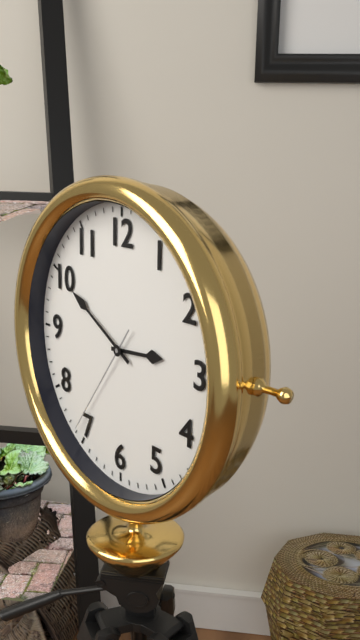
2:50:36
